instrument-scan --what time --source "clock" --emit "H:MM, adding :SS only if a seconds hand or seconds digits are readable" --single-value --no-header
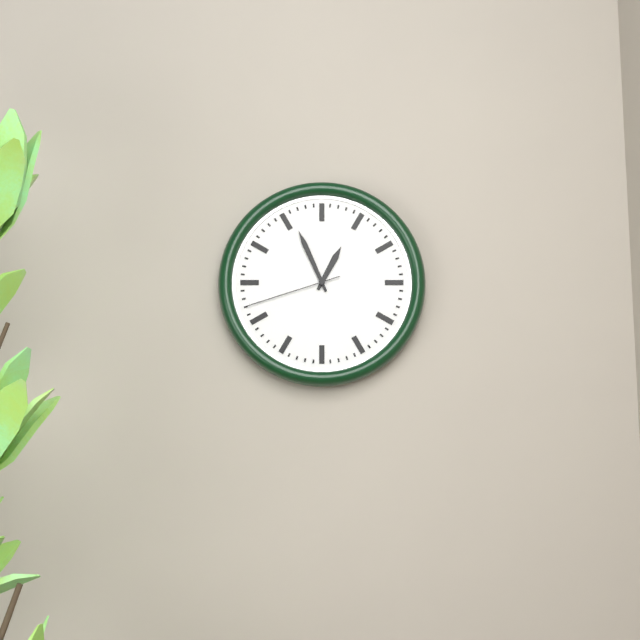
12:56:42
